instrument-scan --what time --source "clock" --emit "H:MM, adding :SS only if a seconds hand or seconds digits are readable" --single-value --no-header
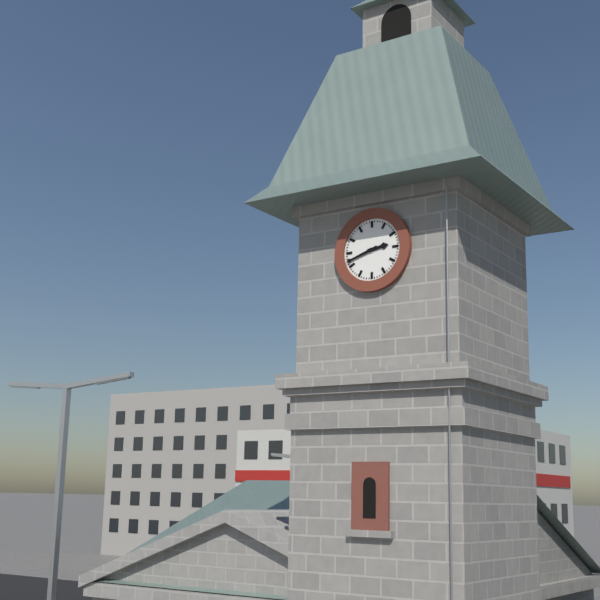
2:42
